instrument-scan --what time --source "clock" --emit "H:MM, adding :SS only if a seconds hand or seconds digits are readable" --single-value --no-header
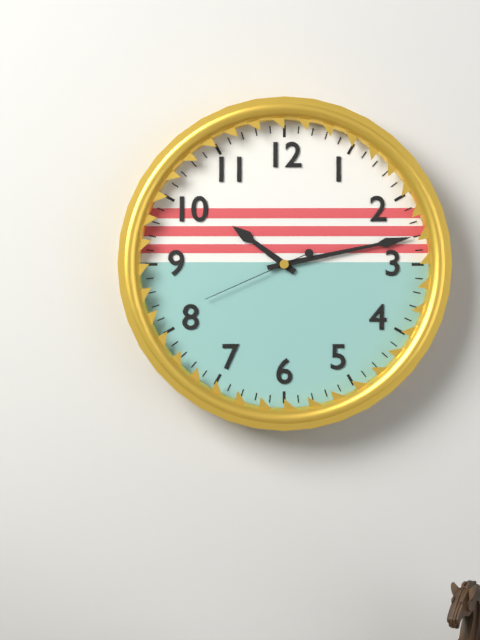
10:13:41
